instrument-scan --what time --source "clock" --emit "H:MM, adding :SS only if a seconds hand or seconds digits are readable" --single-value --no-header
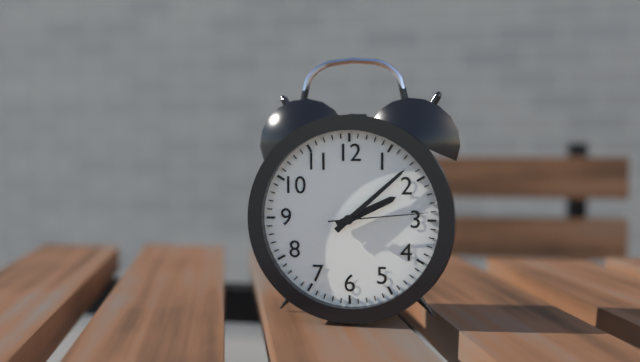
2:08:14
